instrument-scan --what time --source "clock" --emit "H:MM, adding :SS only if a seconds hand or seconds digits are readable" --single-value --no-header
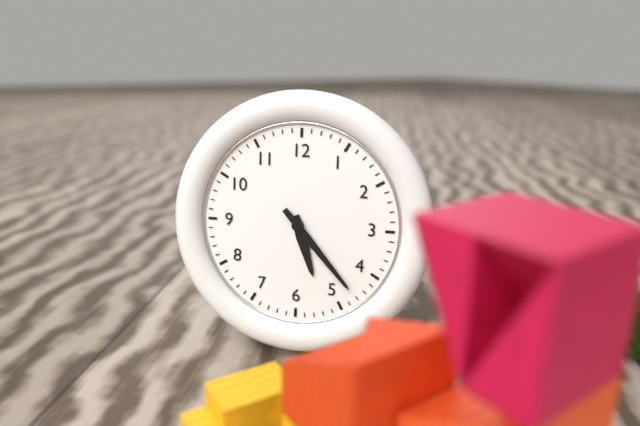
5:23
